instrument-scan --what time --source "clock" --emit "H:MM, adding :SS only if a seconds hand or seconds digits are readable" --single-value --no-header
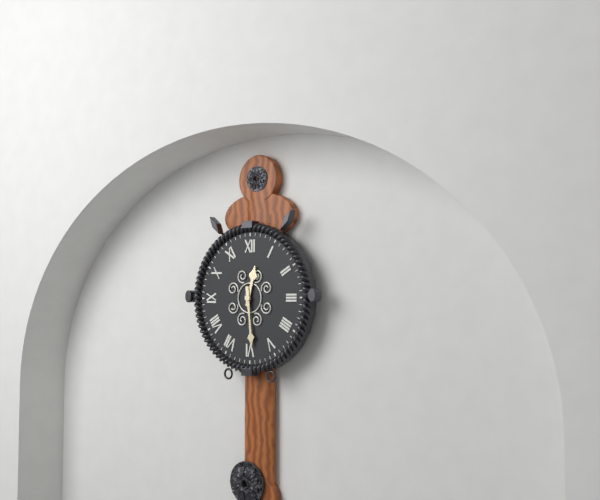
12:29
